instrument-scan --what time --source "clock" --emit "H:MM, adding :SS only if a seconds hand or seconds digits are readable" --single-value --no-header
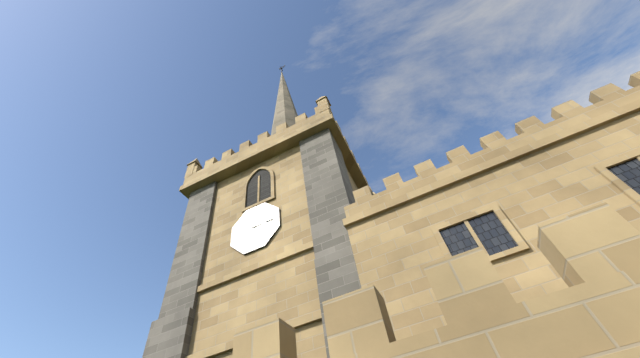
3:15
